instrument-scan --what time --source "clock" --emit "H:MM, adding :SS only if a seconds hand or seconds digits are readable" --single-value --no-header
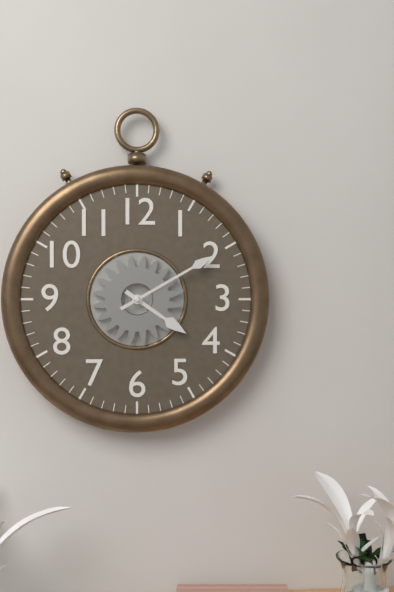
4:10
